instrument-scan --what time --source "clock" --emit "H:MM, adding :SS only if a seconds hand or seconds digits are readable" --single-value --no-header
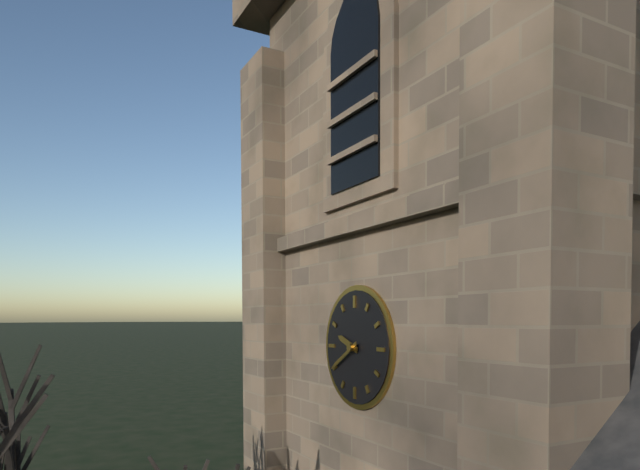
9:40
